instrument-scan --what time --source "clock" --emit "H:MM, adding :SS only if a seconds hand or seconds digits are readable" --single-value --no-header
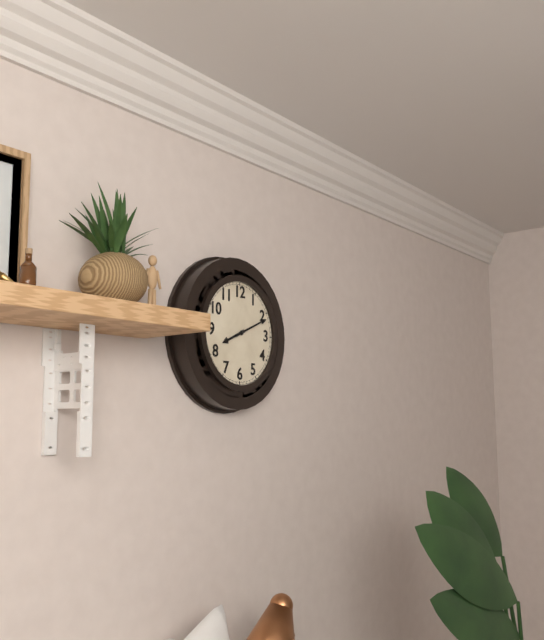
8:11
